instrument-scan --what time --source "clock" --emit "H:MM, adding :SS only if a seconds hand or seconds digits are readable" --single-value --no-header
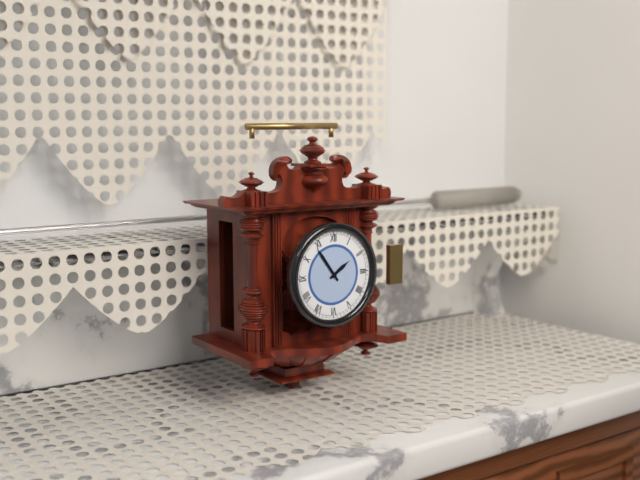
1:54
